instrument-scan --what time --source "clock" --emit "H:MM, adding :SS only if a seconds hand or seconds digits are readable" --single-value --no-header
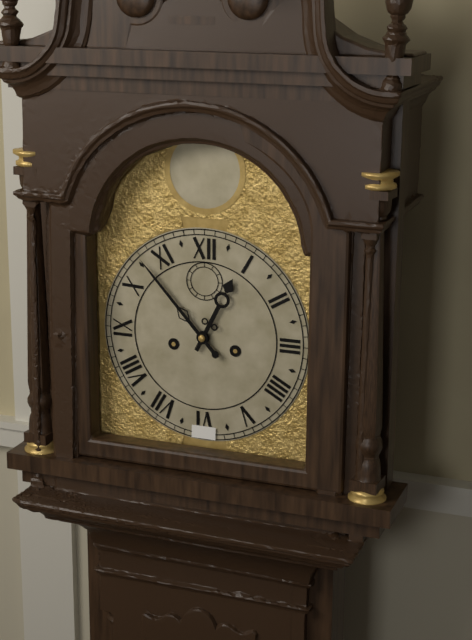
12:53
